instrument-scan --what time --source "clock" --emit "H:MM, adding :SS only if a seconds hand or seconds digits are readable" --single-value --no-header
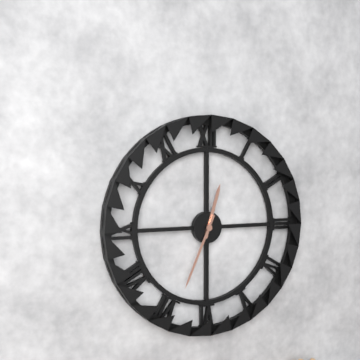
12:34
